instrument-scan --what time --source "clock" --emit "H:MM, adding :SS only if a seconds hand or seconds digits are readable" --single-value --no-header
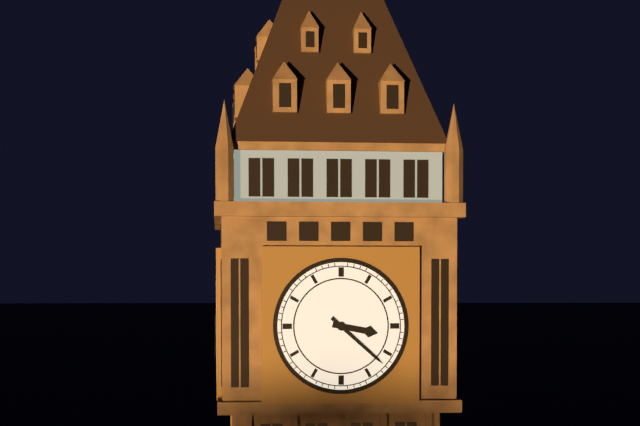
3:22
